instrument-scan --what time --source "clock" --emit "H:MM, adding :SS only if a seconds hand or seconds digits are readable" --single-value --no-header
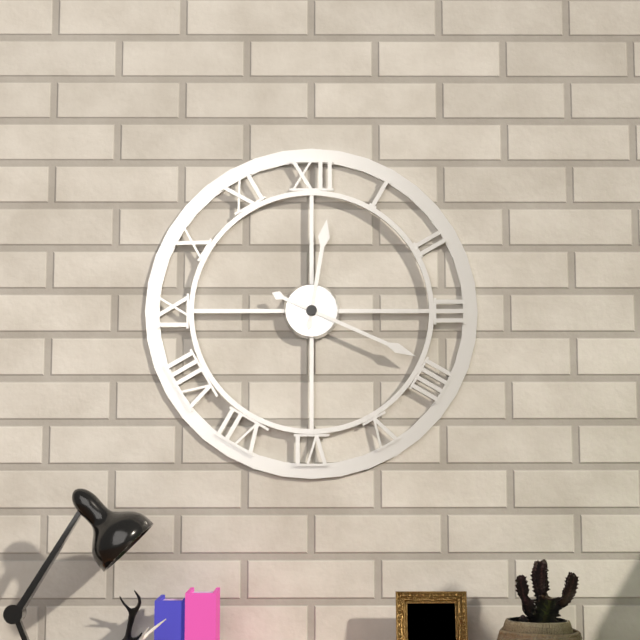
12:19
